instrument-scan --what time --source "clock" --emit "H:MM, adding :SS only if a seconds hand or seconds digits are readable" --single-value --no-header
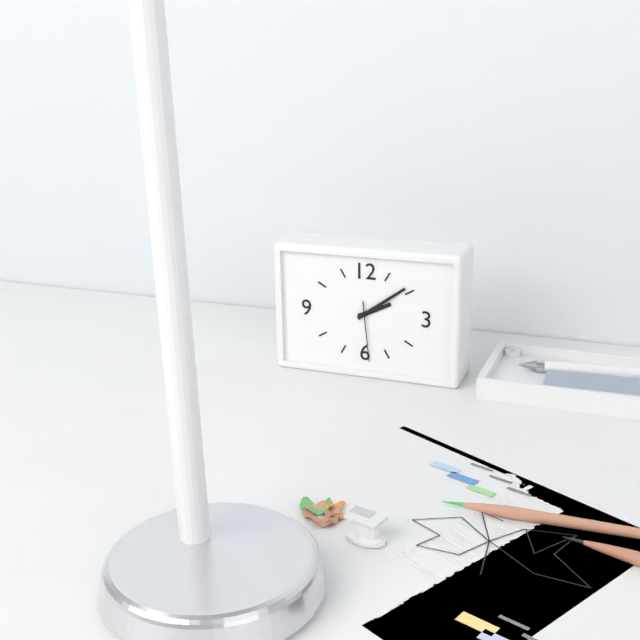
2:09:29
